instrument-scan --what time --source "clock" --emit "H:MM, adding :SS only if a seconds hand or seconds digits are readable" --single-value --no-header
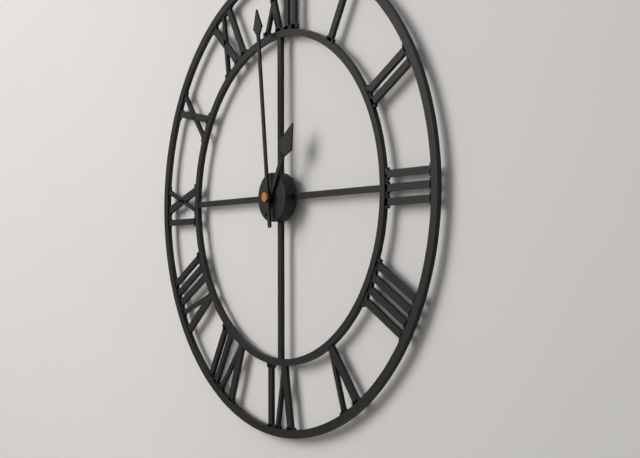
12:59
